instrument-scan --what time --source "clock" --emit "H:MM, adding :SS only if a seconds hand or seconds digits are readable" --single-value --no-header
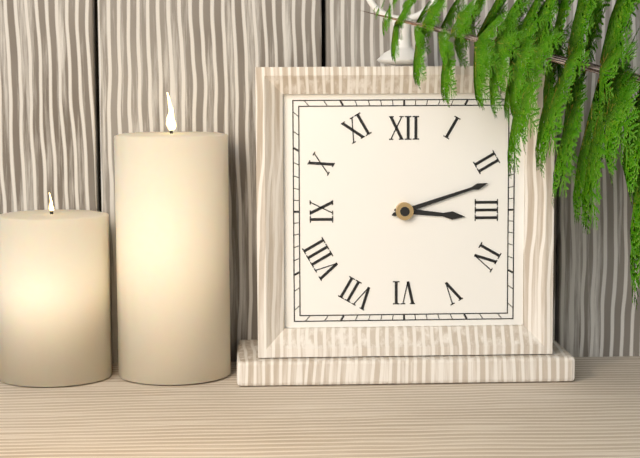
3:12
